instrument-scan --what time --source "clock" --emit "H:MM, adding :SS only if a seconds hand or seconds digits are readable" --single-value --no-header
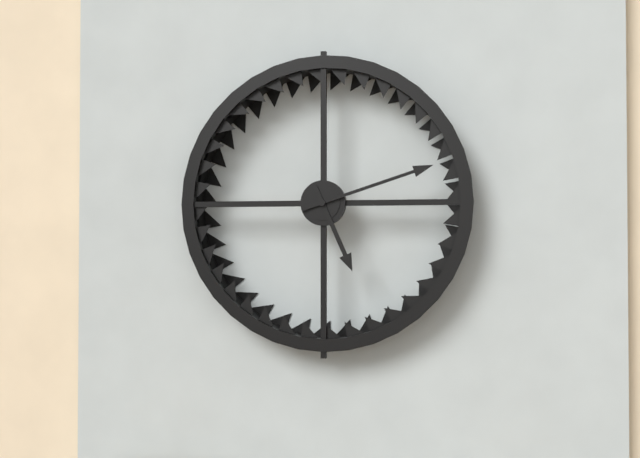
5:12
